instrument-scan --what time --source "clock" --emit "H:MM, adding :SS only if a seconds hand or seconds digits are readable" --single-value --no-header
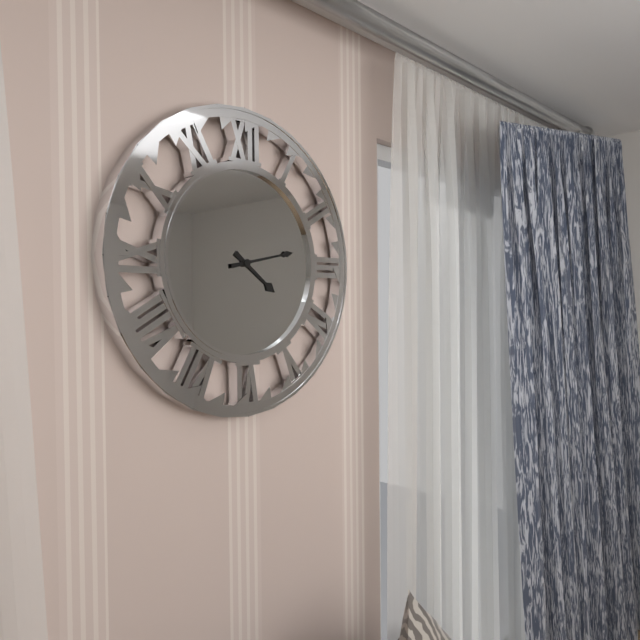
4:13
